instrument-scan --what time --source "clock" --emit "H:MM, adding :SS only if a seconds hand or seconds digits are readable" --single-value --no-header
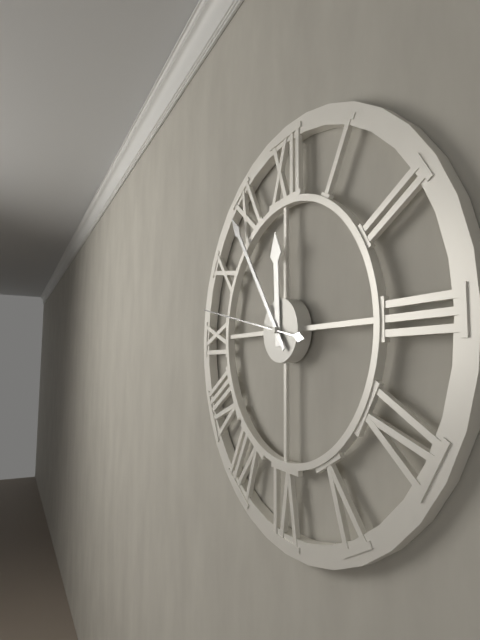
11:54:47
